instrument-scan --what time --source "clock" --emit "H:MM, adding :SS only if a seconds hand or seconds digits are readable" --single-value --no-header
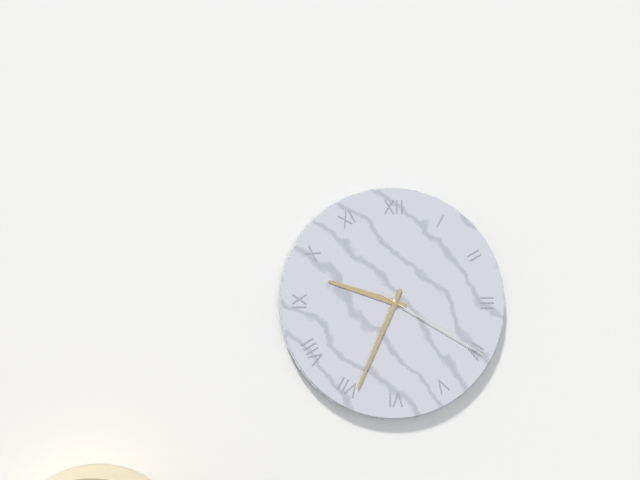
9:34:20
